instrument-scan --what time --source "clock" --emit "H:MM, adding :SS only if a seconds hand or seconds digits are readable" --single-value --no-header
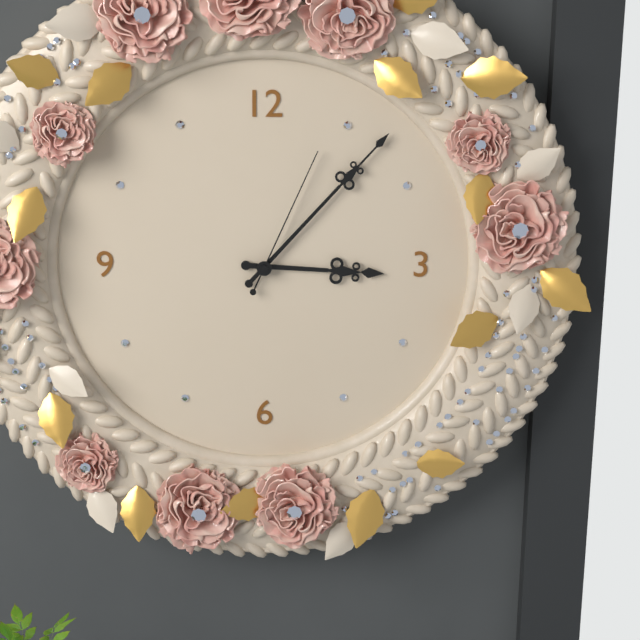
3:07:04
